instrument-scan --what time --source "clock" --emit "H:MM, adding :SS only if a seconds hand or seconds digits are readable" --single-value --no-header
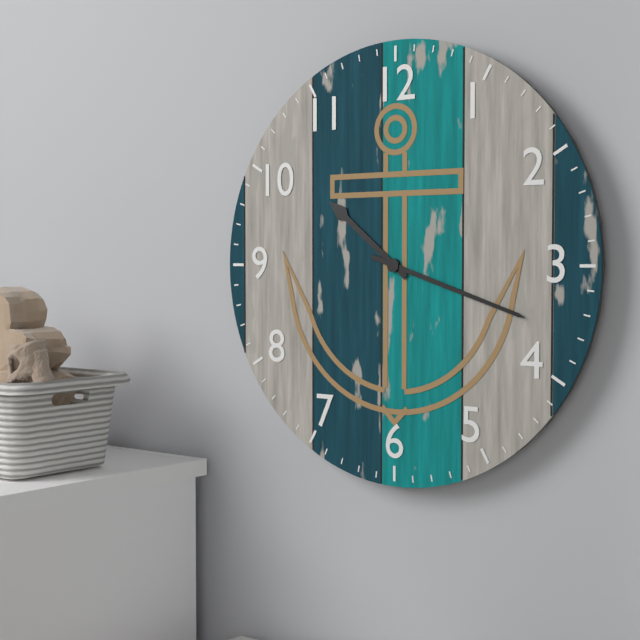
10:18
